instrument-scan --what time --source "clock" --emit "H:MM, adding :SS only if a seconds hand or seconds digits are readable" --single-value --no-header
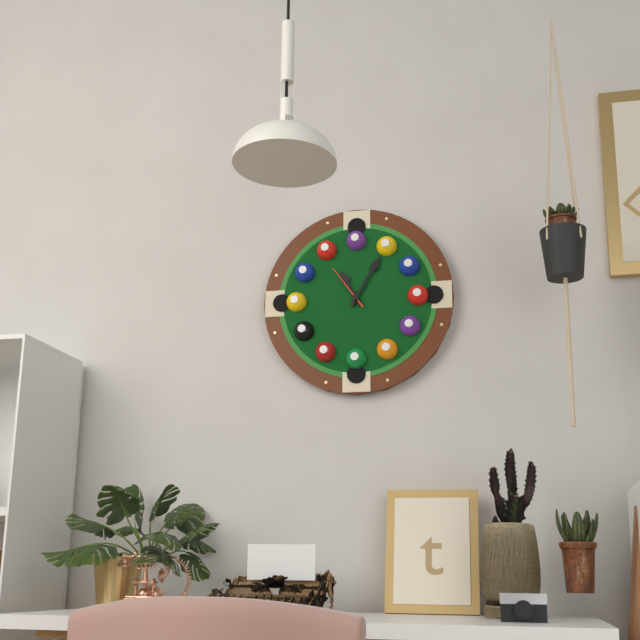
11:05
